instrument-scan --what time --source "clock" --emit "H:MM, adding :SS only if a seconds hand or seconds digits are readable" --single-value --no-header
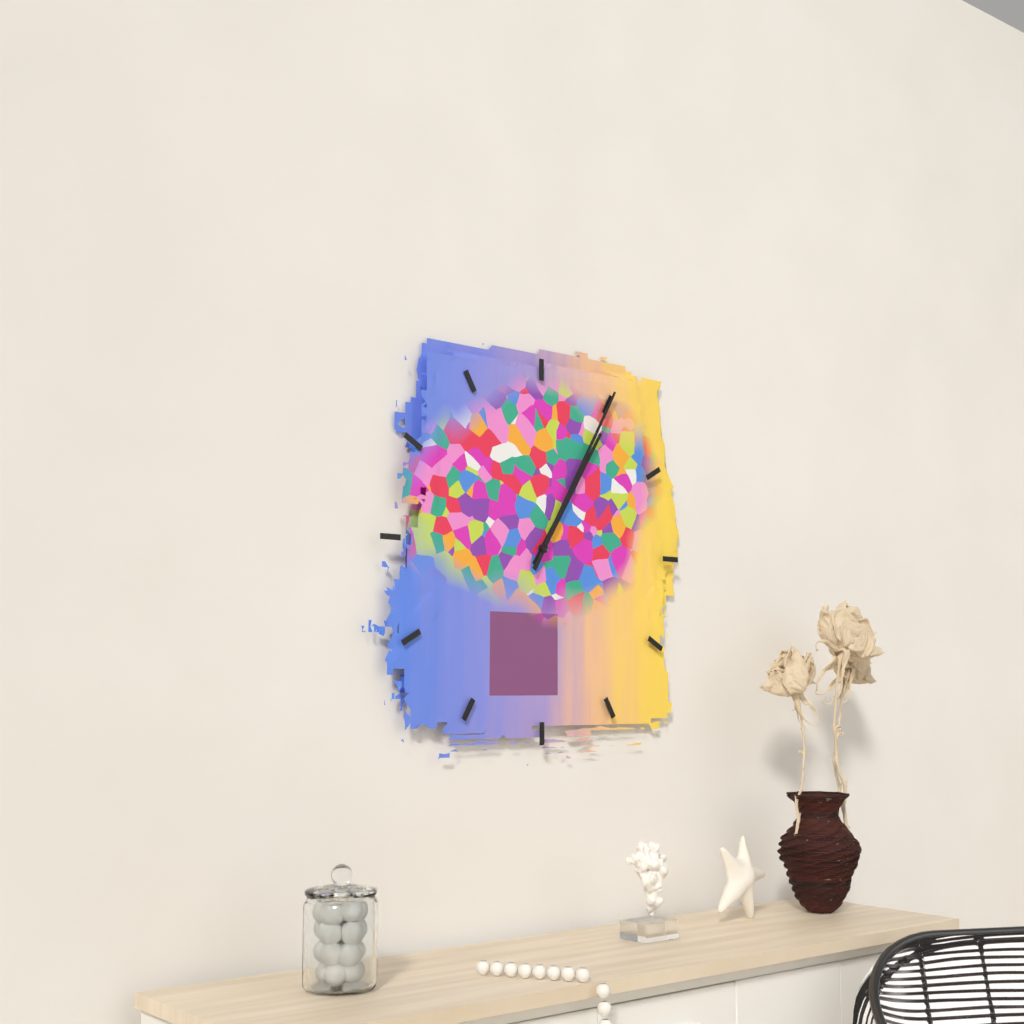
1:05
